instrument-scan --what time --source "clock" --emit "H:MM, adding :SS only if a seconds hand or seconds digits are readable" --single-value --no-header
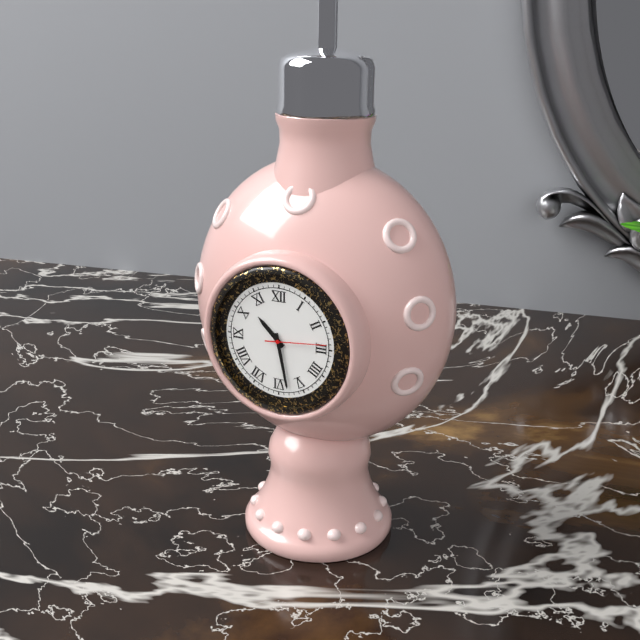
10:28:14
